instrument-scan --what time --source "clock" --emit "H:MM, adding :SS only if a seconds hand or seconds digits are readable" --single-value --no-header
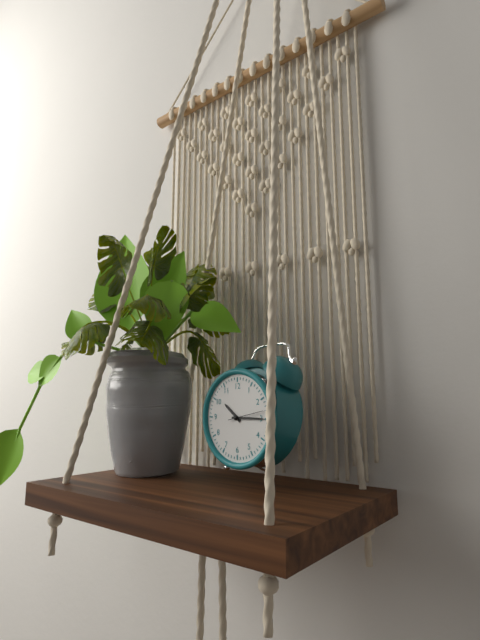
10:15
